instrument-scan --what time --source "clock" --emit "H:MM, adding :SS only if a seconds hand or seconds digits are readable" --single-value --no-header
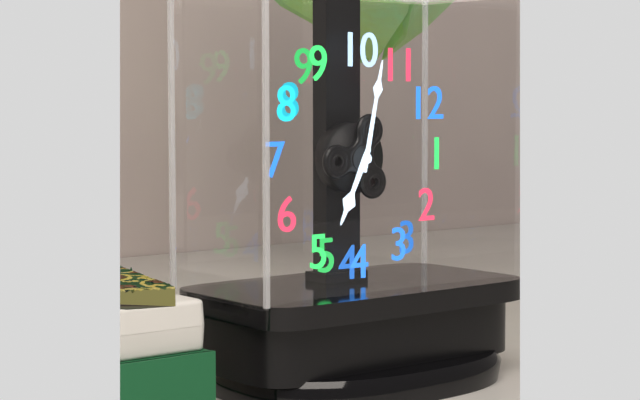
4:52
